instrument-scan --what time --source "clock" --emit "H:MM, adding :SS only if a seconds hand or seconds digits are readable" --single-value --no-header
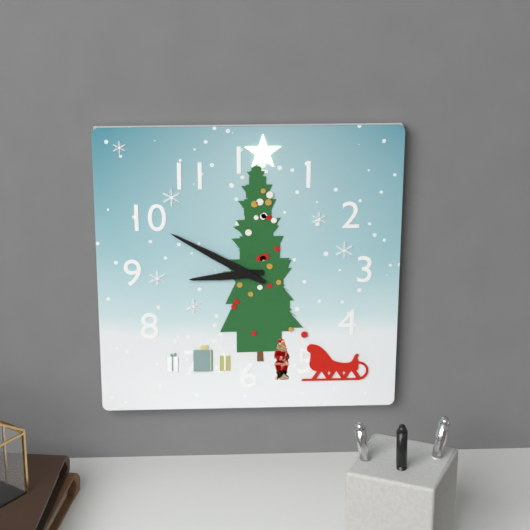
8:50
